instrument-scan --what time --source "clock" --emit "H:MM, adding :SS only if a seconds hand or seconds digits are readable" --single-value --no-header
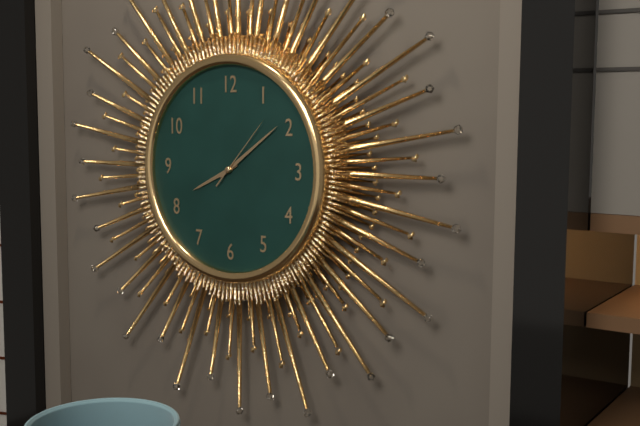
8:09:07
